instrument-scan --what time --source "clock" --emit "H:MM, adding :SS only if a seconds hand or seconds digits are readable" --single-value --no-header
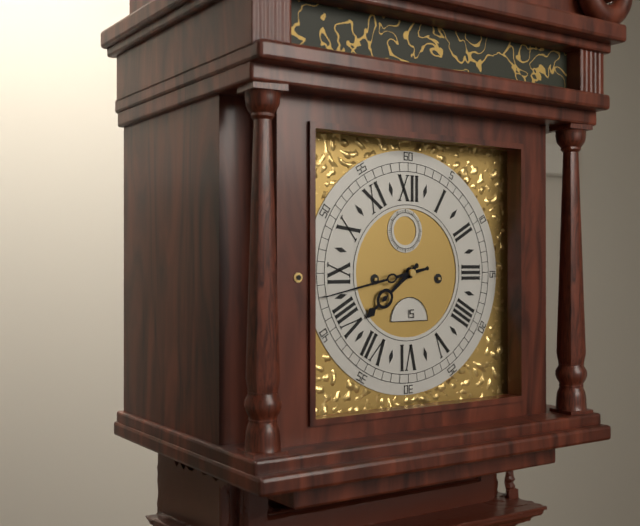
7:43
